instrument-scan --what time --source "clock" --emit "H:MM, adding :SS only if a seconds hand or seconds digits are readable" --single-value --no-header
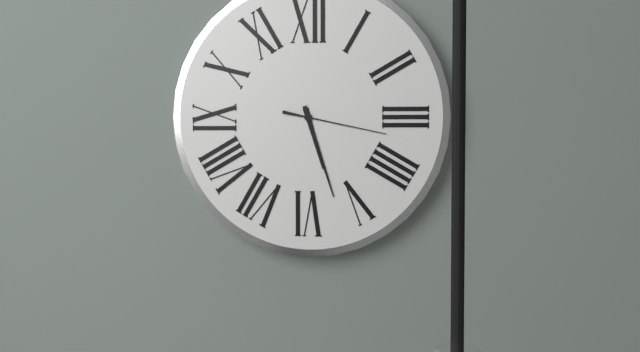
5:27:17
